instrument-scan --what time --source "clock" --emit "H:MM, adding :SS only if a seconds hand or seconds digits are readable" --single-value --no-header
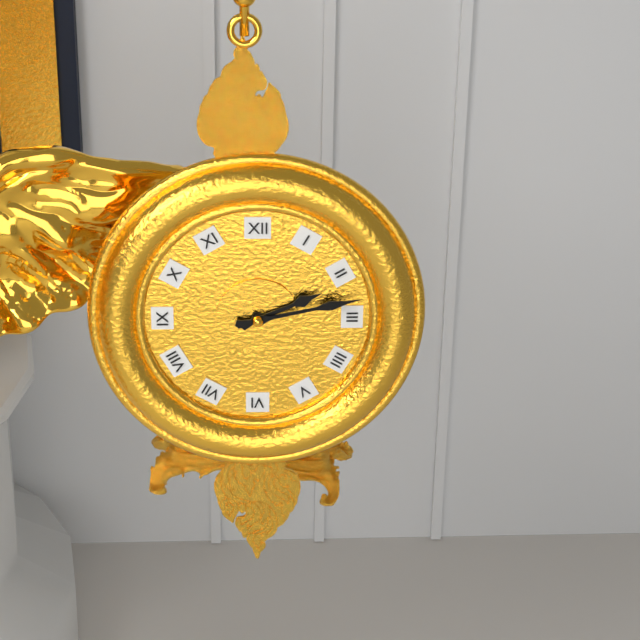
2:13
